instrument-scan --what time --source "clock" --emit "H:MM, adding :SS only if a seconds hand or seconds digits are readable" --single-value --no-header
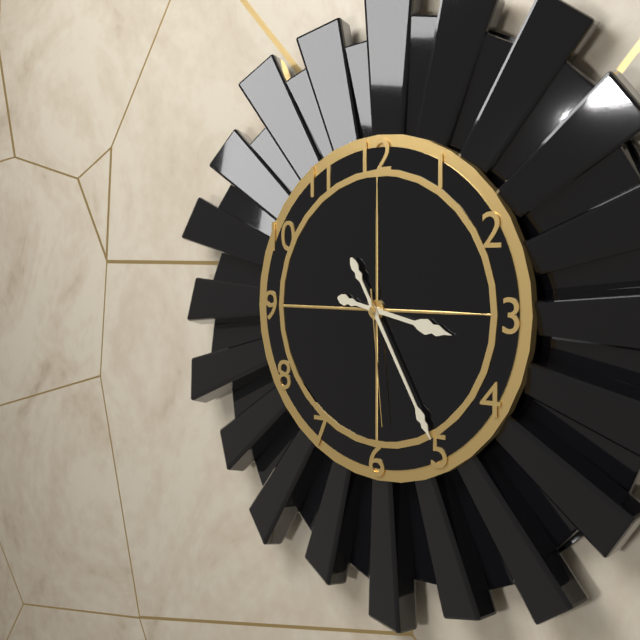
3:25:29
